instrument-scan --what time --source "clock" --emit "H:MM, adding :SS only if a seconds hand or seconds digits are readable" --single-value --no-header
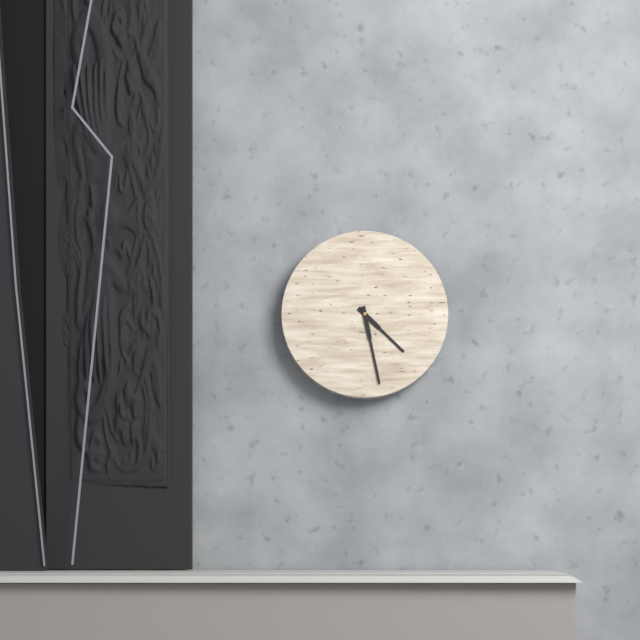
4:28
